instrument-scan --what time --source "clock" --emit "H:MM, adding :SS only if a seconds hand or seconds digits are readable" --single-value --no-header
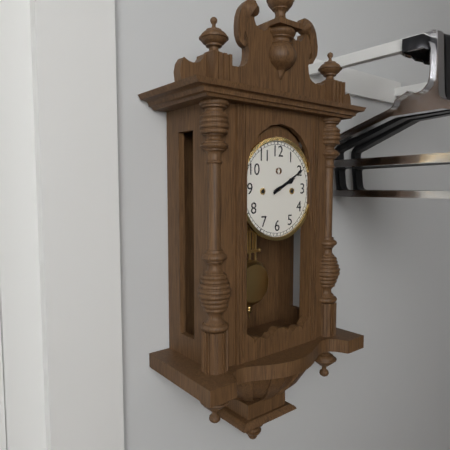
2:10
